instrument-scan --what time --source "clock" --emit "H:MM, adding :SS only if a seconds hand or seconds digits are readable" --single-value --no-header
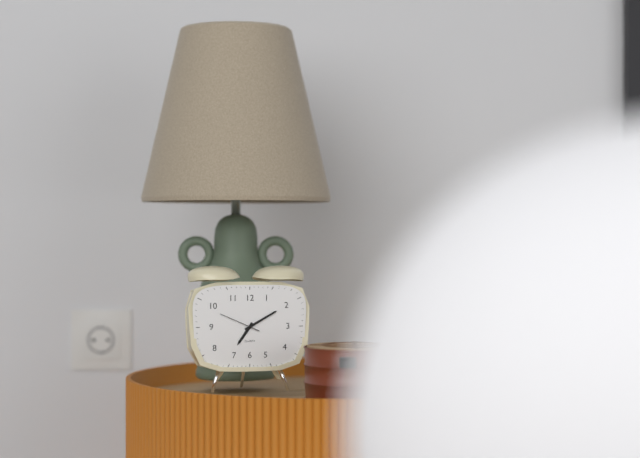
7:10
